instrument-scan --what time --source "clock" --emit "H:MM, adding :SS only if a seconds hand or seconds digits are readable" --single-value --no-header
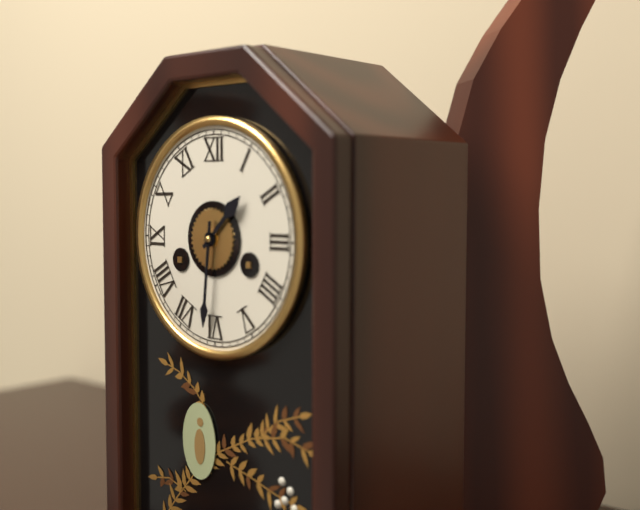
1:31
